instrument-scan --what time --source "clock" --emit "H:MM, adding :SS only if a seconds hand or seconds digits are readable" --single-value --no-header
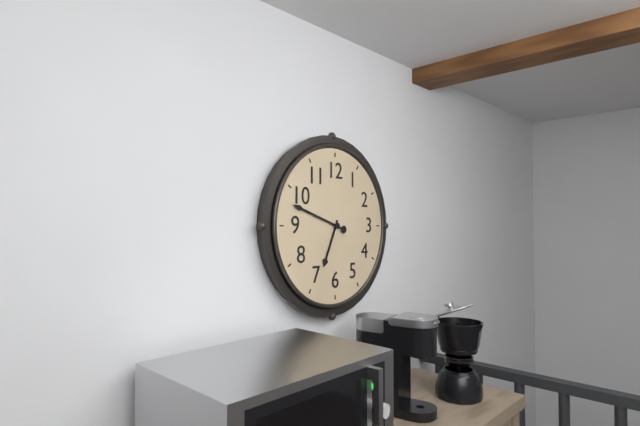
6:48
